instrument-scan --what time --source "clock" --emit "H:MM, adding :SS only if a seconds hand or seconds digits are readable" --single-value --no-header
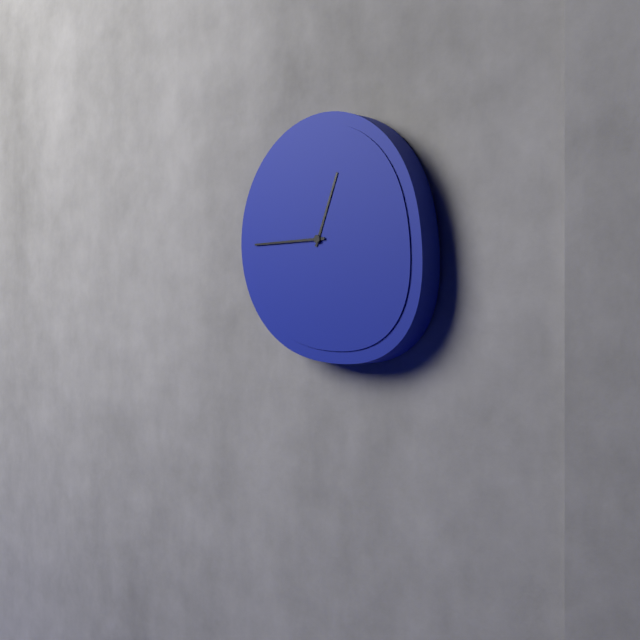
12:45
